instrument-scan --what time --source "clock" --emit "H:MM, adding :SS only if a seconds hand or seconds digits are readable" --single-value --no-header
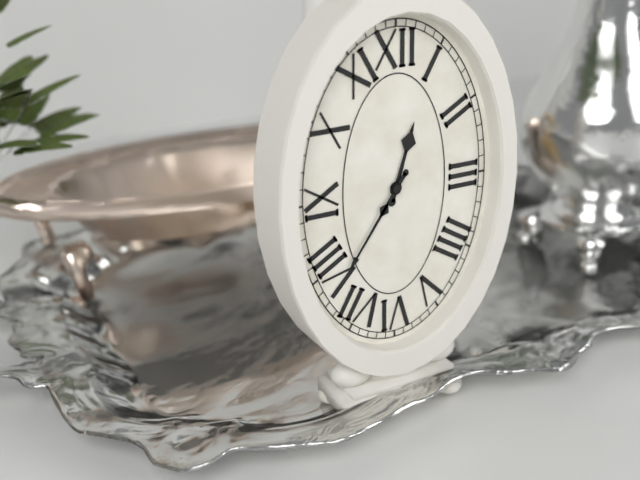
12:36
